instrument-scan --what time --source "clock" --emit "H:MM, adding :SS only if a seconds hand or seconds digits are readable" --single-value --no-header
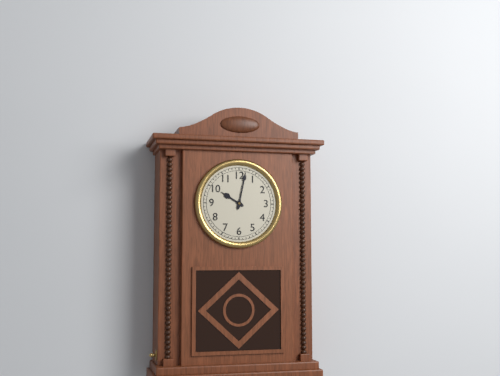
10:02
